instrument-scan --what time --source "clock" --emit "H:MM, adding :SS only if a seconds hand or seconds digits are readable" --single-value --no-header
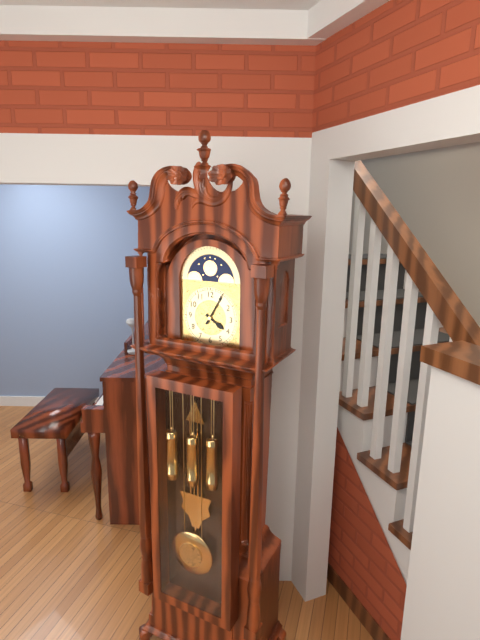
4:05
